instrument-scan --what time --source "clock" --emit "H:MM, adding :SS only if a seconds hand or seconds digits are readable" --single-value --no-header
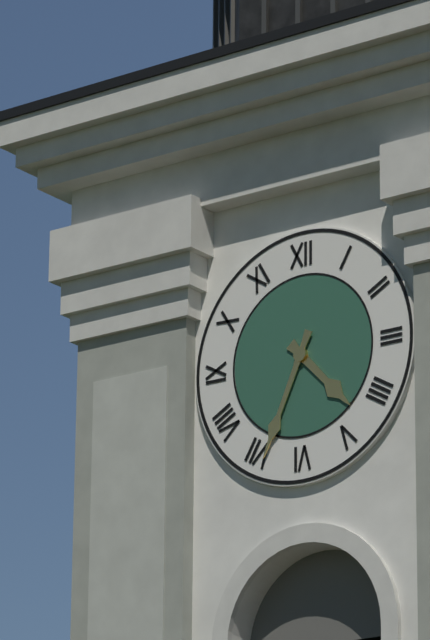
4:34
